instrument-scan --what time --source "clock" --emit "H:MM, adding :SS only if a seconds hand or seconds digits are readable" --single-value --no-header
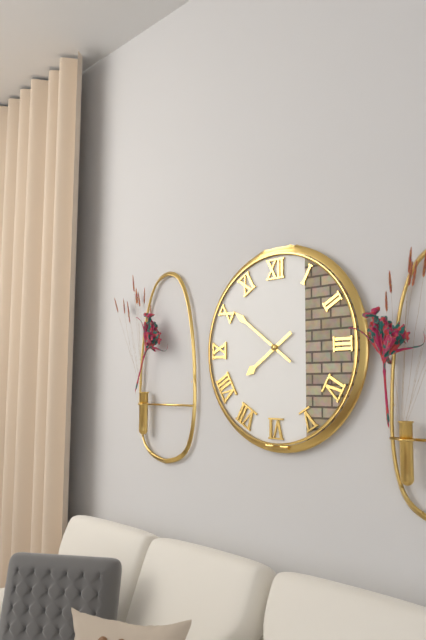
7:51
